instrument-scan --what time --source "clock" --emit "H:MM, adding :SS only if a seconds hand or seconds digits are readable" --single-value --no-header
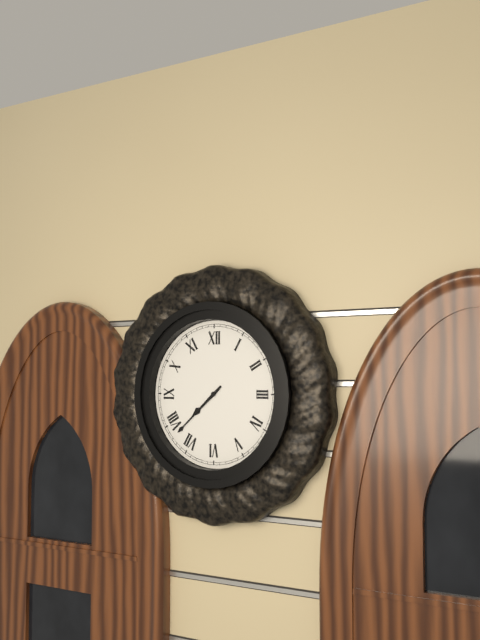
7:38
